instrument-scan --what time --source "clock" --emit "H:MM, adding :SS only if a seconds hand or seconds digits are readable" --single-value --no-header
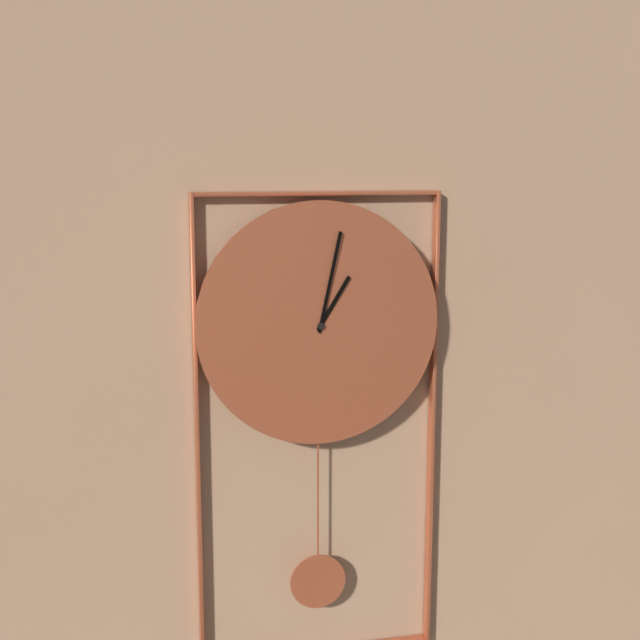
1:02
